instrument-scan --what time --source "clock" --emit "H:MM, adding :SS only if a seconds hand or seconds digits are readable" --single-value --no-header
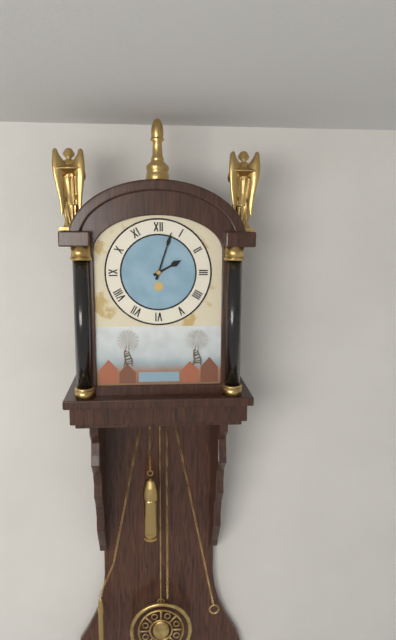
2:03
